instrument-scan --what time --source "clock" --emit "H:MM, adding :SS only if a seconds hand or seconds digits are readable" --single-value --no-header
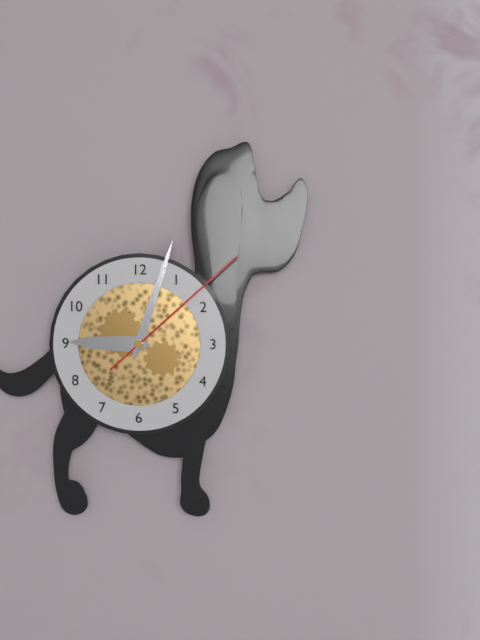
9:03:08
